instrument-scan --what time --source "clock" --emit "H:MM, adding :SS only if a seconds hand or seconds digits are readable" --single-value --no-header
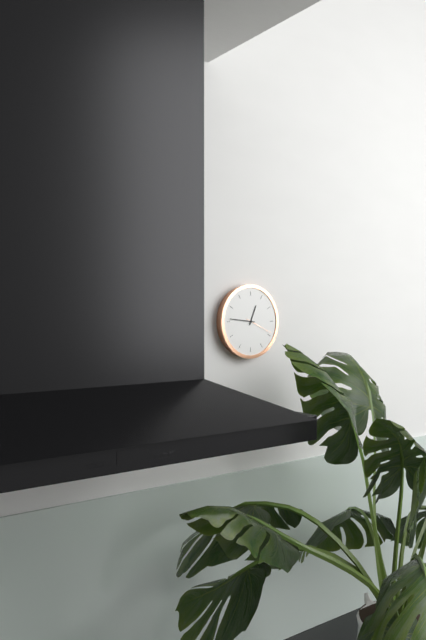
12:46
